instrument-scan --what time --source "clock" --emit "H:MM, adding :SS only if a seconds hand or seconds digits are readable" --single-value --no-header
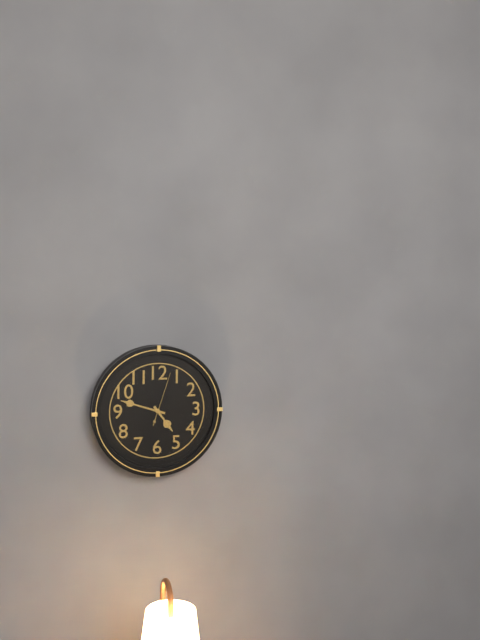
4:48
